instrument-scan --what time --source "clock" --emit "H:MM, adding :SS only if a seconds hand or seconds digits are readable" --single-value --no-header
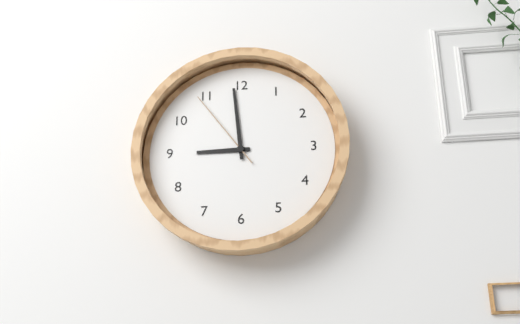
8:59:54
